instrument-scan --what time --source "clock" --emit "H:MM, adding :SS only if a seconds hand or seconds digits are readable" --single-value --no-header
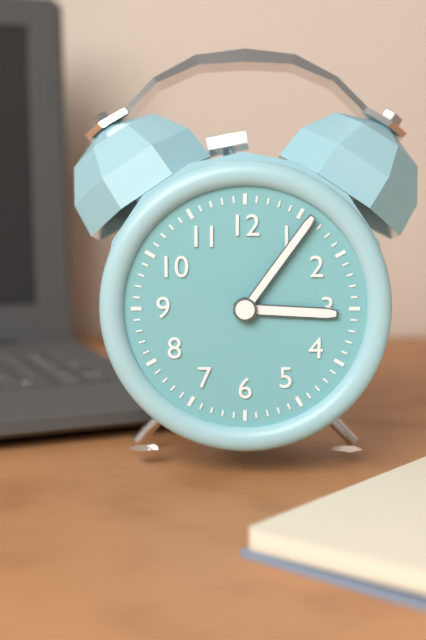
3:06
